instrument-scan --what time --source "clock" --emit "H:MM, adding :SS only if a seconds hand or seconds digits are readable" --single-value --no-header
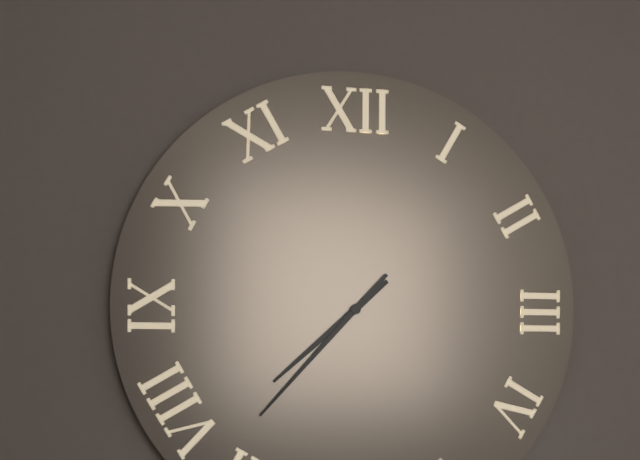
7:37
